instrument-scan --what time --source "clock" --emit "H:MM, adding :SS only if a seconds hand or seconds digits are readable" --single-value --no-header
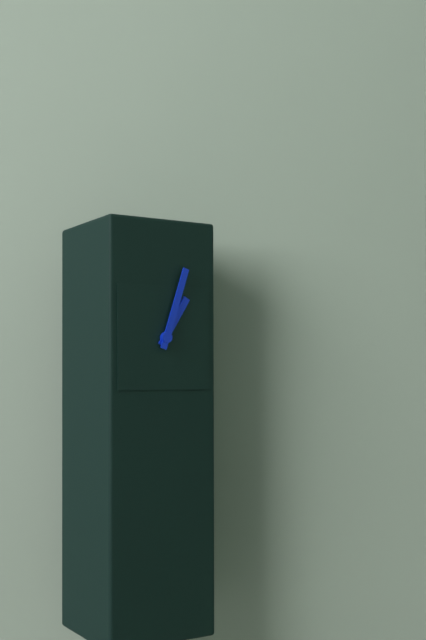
1:03
